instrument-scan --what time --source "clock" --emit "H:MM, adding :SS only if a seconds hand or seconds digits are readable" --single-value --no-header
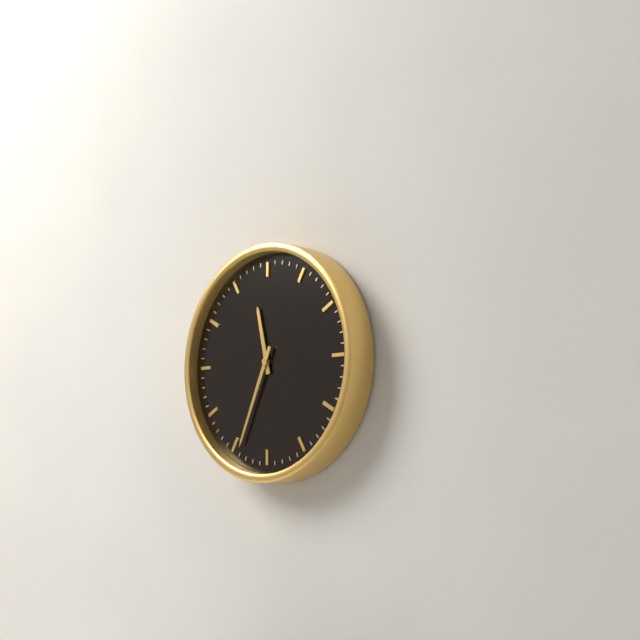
11:34
